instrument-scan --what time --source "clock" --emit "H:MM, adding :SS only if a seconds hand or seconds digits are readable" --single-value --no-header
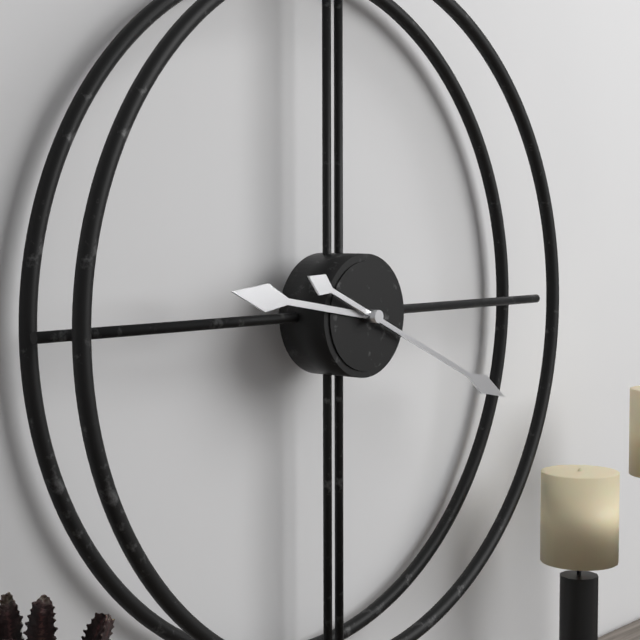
9:19
